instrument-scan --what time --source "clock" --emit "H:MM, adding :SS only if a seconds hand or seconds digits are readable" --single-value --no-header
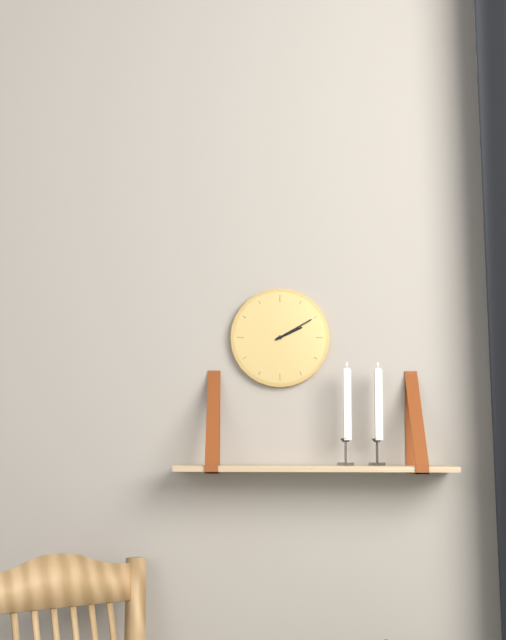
2:10
